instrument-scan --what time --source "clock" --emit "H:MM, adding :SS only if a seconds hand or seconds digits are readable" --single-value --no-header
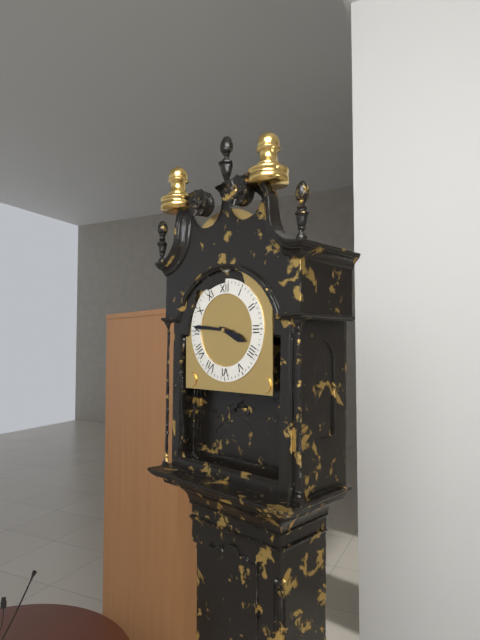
3:46
